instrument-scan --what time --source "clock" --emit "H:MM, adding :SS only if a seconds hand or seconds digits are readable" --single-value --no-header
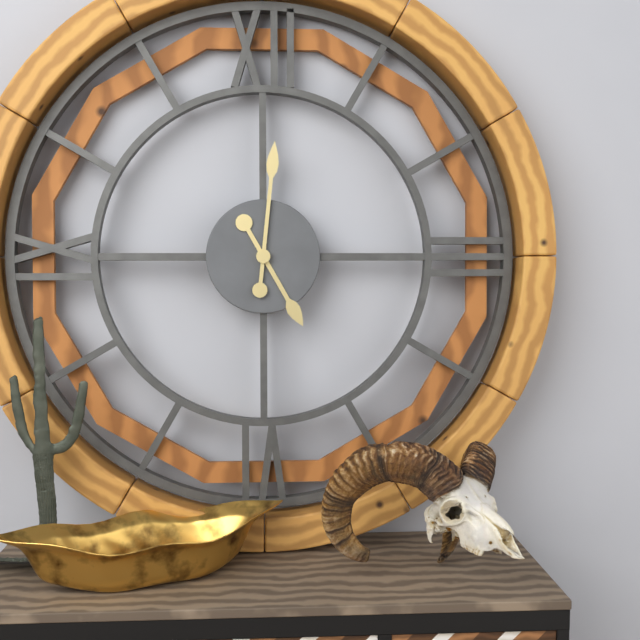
5:01
